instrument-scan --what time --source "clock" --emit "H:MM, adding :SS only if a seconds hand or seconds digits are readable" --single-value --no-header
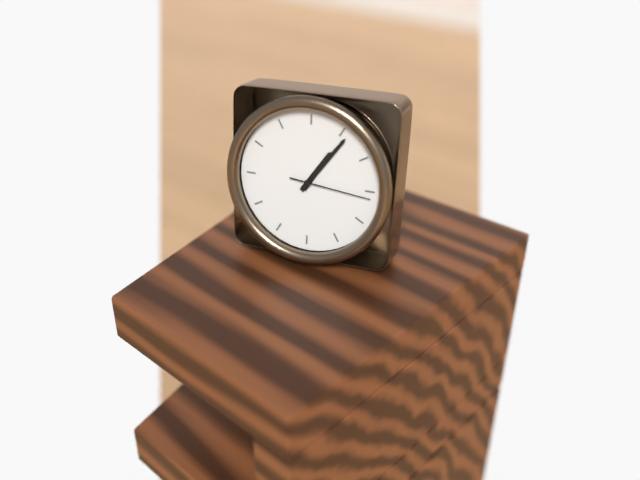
1:06:16
